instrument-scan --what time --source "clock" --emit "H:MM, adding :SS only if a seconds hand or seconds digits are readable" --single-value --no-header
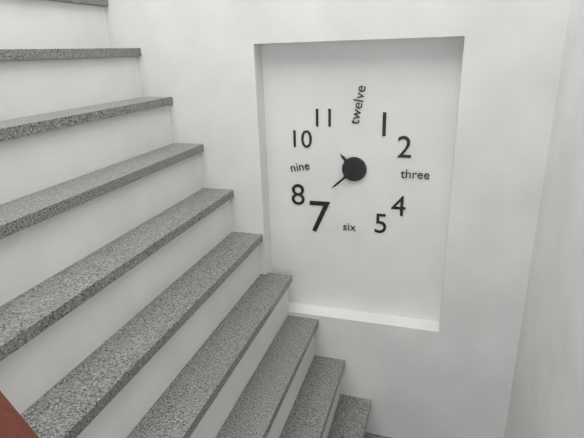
10:38
